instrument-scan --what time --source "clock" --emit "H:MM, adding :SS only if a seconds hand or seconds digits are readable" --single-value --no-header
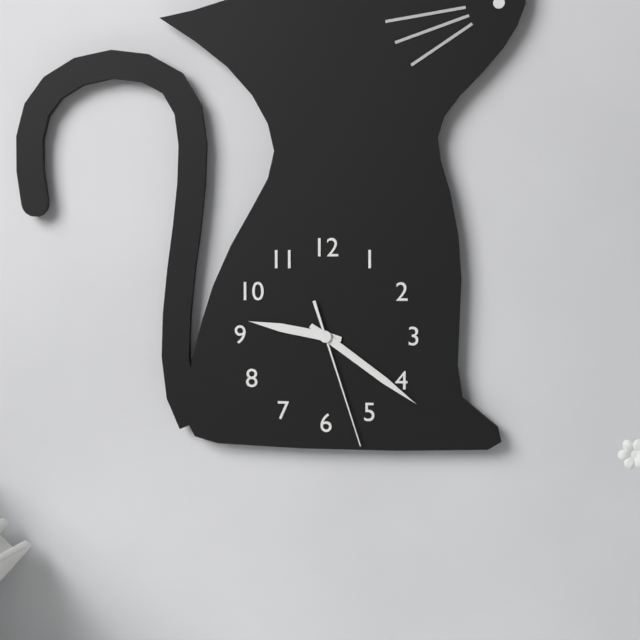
9:21:27
